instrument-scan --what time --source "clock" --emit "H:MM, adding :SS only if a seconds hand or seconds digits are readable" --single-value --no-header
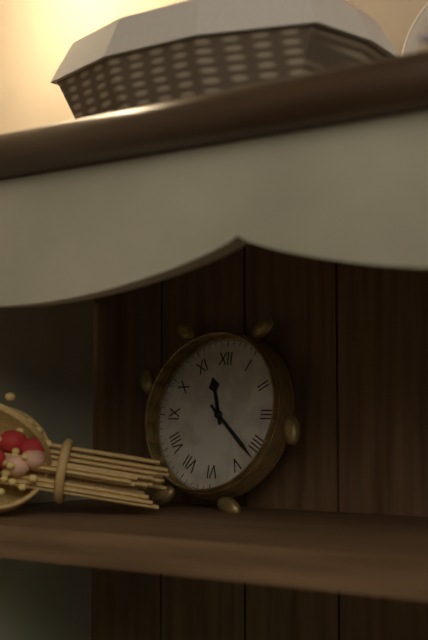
11:22
